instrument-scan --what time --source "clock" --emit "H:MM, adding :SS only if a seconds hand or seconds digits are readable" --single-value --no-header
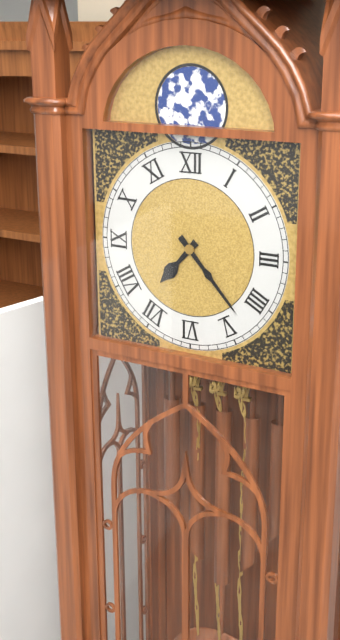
7:23
